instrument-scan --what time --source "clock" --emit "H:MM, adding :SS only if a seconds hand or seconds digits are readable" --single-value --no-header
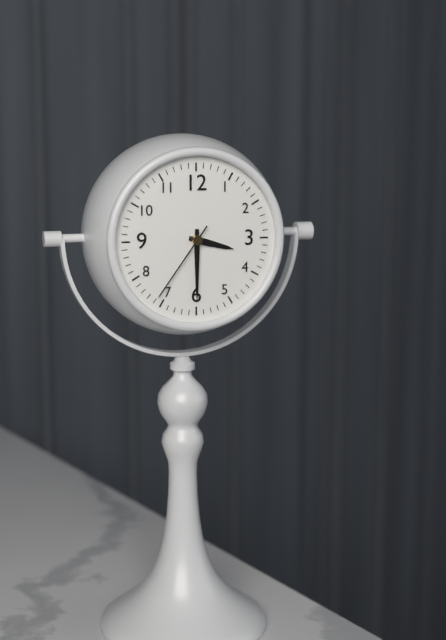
3:30:36
